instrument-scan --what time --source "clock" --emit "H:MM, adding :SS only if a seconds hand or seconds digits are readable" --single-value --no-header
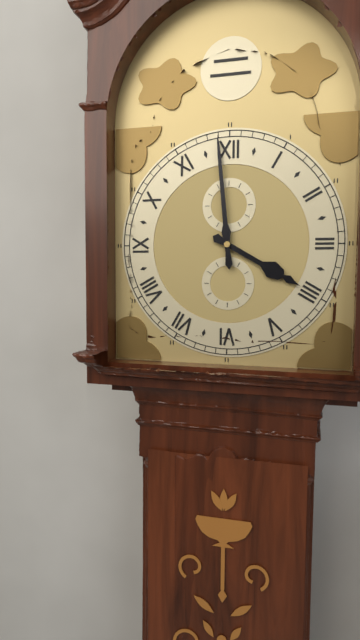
3:59
